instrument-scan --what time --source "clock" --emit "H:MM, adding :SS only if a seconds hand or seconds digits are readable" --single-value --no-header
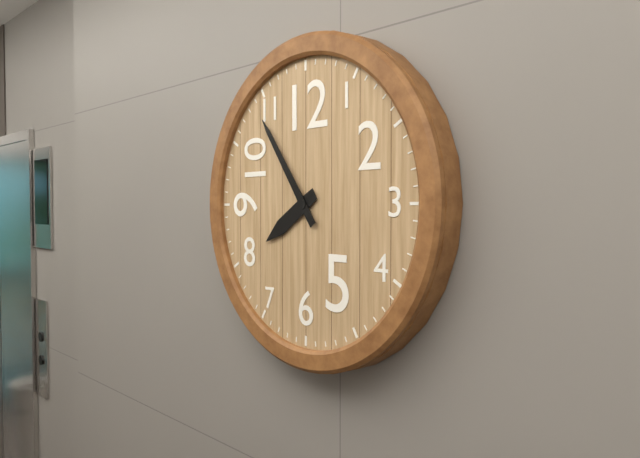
7:54
